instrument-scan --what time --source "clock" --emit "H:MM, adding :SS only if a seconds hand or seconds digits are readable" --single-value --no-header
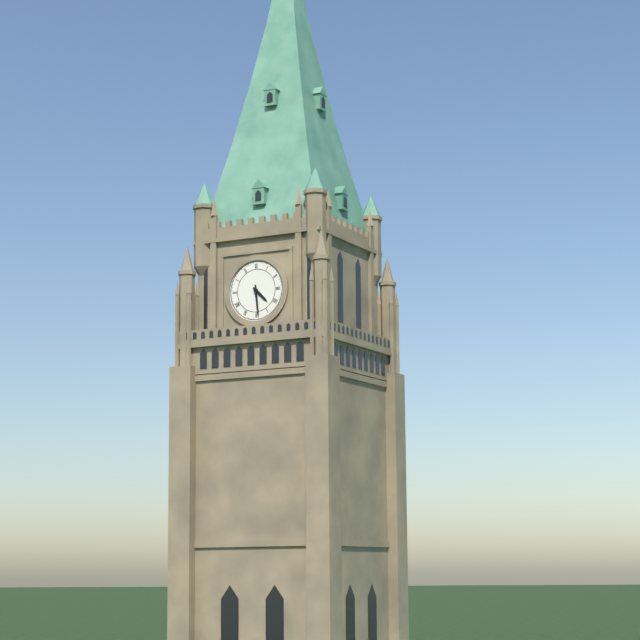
4:29
